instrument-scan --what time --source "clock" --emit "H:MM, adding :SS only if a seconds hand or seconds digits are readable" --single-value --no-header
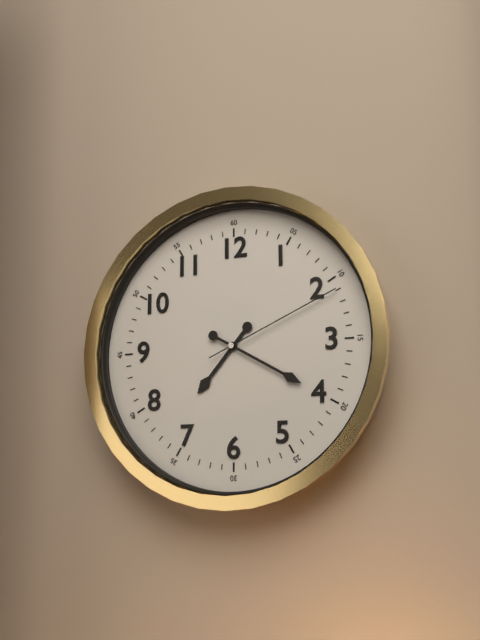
7:20:11
